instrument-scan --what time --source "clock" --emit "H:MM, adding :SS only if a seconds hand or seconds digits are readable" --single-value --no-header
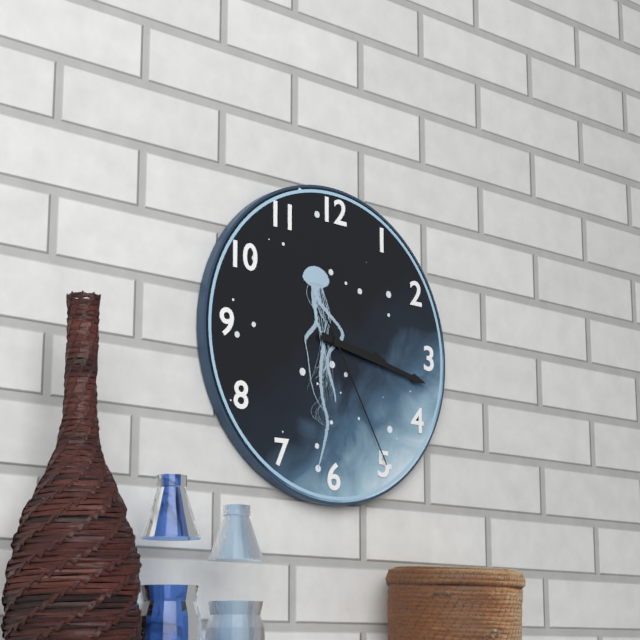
3:17:25
